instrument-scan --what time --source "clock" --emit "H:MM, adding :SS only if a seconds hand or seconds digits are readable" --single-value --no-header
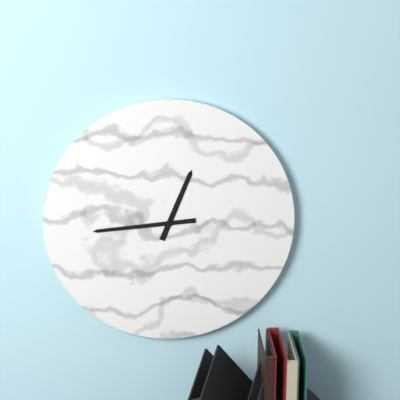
12:44
